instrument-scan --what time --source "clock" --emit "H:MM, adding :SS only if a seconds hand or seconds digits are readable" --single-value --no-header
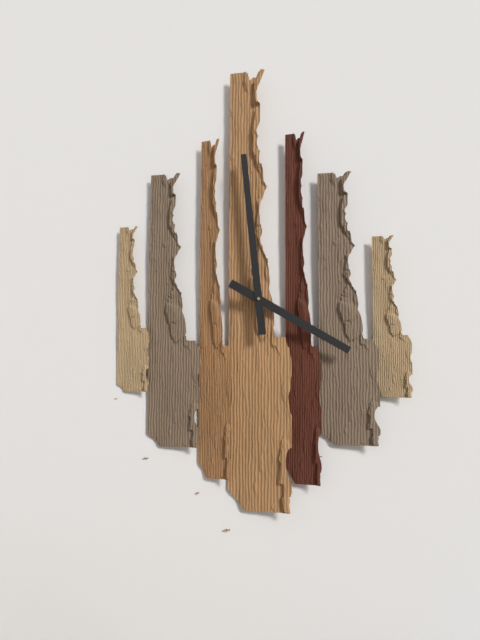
3:59
